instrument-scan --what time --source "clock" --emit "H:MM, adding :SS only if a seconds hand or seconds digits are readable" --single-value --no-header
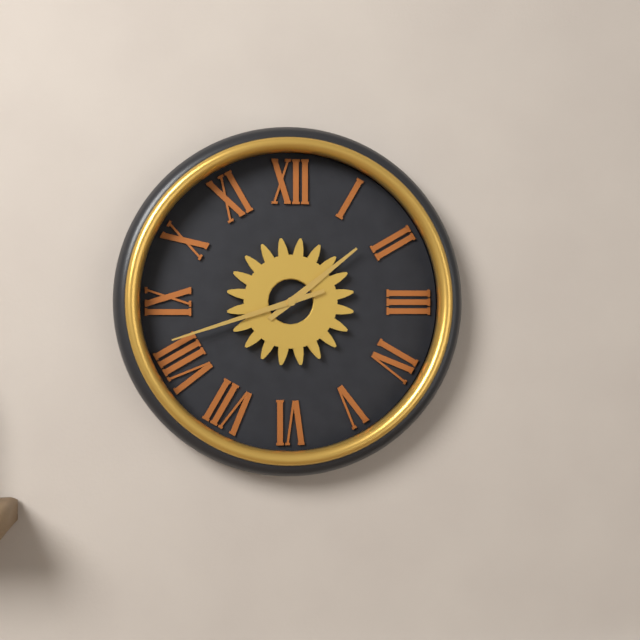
1:42
